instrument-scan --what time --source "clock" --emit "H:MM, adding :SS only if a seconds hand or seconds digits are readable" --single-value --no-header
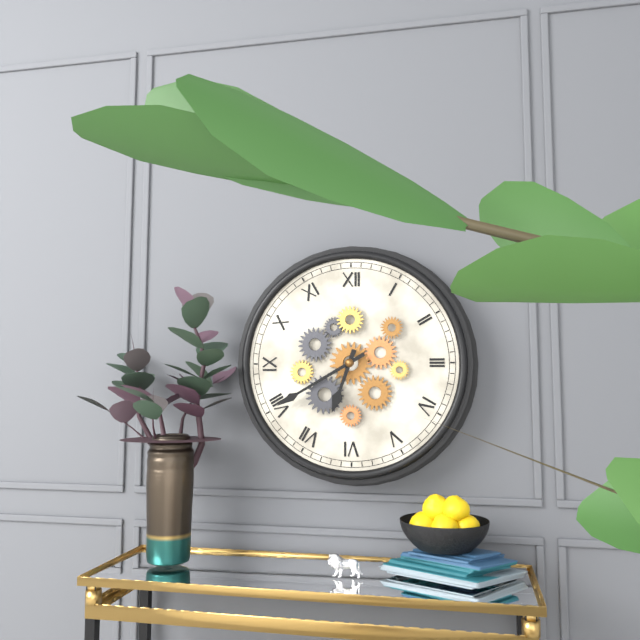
6:40
